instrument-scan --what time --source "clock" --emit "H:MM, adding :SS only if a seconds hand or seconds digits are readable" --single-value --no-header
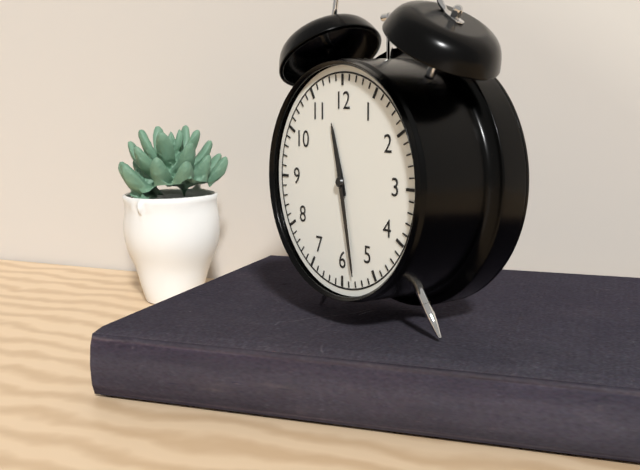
11:28
